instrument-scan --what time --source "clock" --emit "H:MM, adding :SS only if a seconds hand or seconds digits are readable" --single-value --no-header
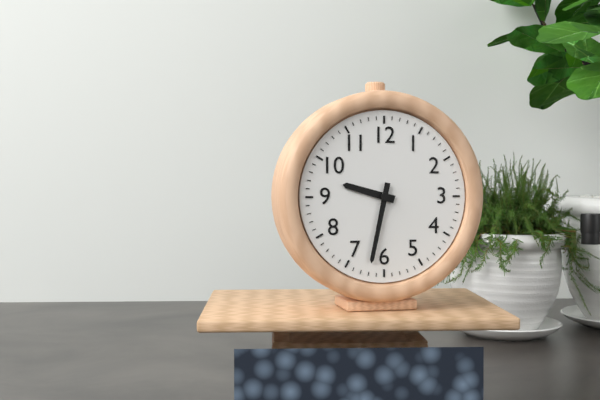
9:32
